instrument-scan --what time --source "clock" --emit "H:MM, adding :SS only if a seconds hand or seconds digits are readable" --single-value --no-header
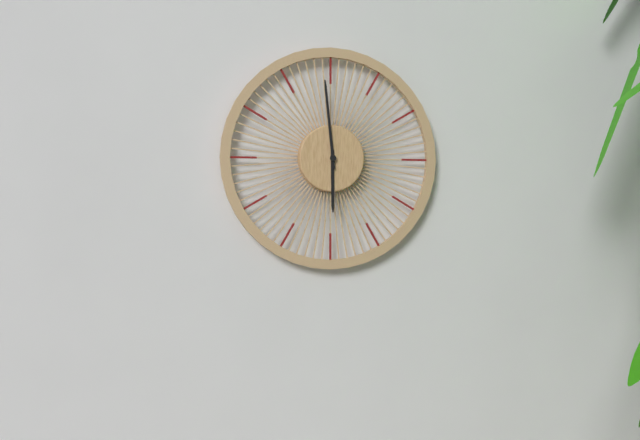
5:59
